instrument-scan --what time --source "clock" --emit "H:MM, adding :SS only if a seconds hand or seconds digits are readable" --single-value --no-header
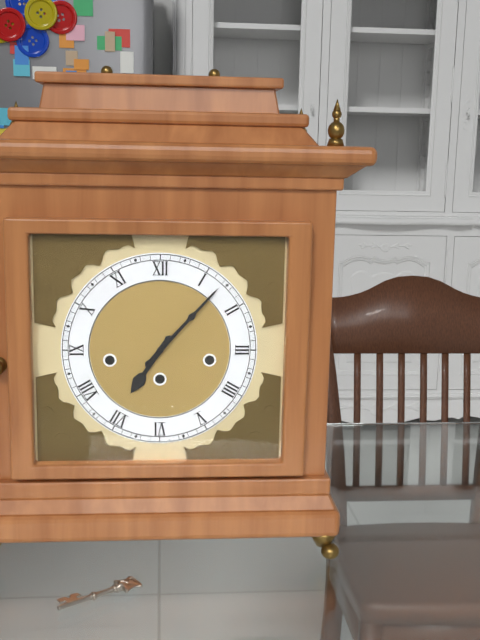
7:07
